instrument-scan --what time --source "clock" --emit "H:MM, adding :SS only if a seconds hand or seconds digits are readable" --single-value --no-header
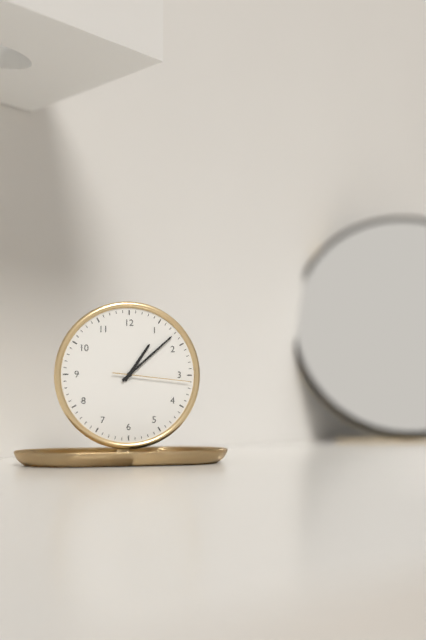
1:08:16
